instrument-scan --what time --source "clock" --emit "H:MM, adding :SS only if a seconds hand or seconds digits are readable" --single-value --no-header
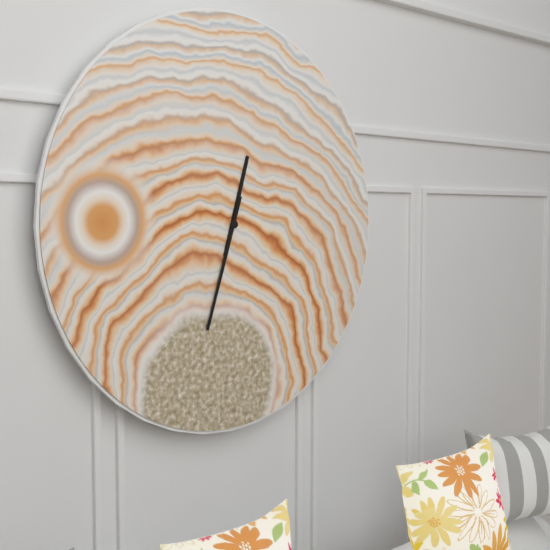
12:33
